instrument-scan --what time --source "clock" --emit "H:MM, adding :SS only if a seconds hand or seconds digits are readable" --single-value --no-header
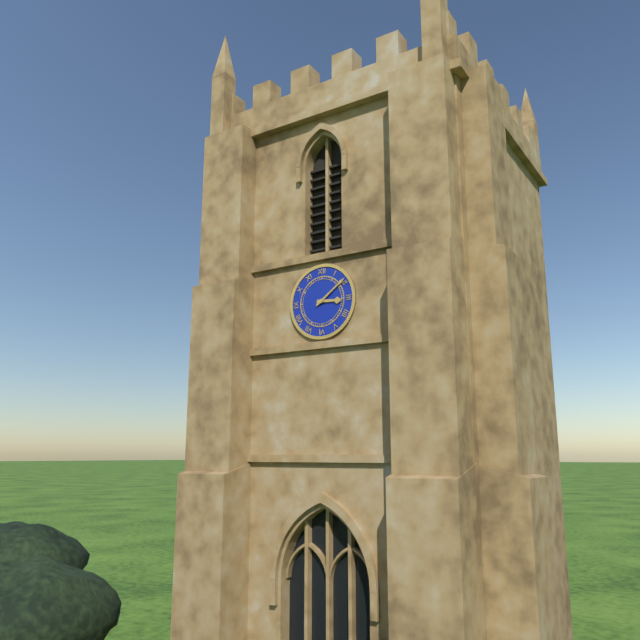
3:09
